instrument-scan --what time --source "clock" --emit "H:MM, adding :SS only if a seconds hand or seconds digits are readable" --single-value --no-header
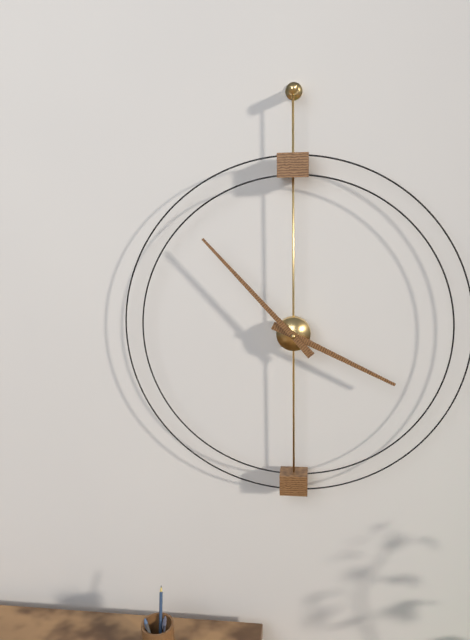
3:53
